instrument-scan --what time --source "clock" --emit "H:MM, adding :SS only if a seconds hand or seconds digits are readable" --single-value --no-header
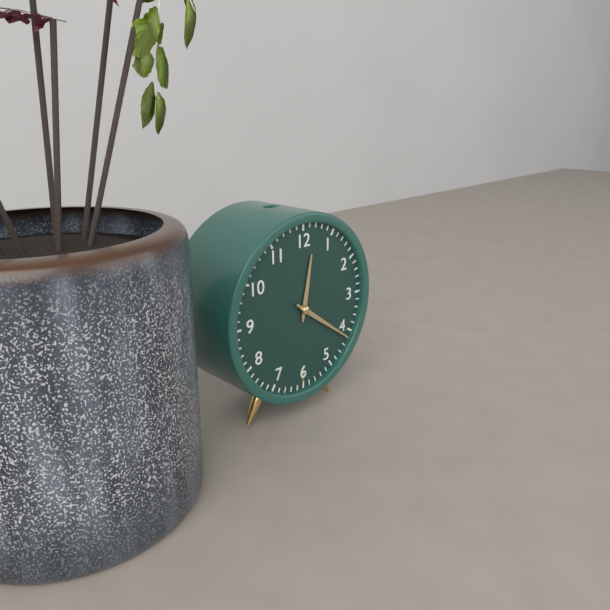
12:21
